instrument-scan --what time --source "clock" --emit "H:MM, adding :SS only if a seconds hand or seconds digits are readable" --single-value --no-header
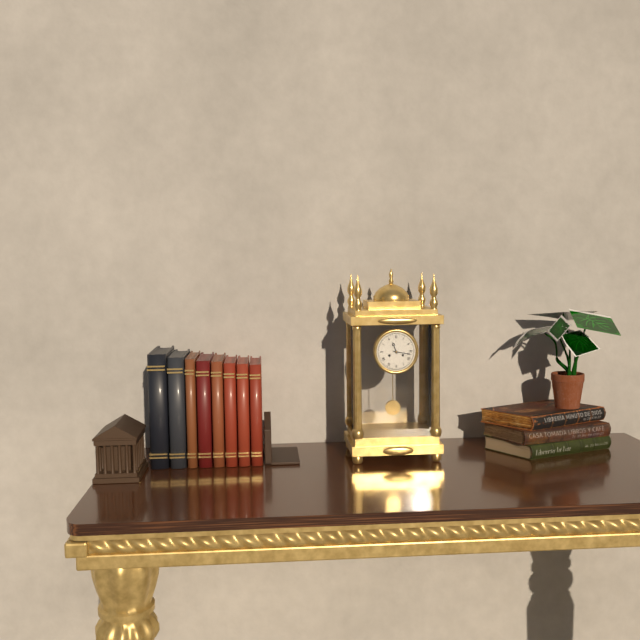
11:17
